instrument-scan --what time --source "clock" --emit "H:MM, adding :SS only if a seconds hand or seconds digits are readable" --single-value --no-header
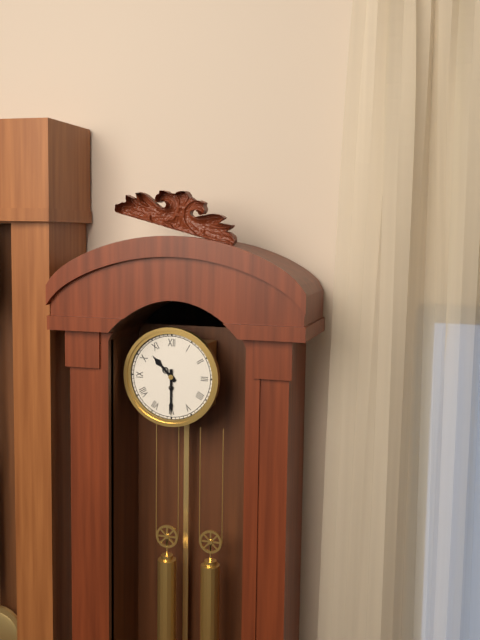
10:30
